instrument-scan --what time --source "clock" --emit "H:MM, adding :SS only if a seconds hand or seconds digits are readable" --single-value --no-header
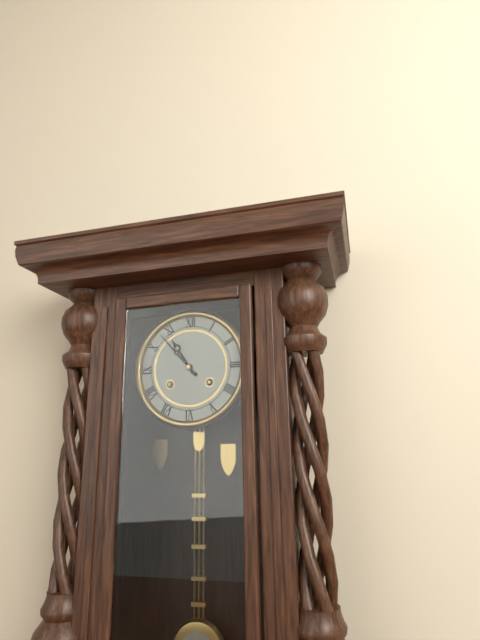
10:53
